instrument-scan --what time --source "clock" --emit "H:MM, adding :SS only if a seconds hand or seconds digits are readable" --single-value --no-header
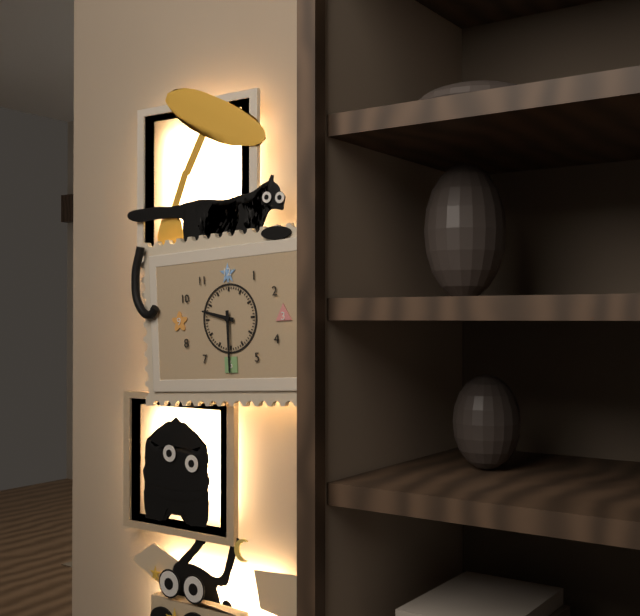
9:30
